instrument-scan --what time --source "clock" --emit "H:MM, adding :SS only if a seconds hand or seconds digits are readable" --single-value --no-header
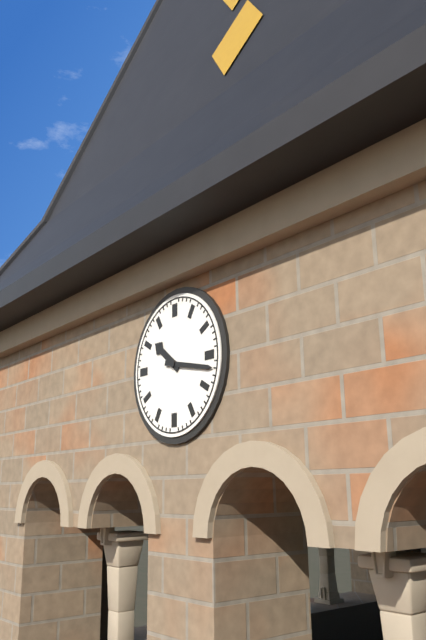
10:17
